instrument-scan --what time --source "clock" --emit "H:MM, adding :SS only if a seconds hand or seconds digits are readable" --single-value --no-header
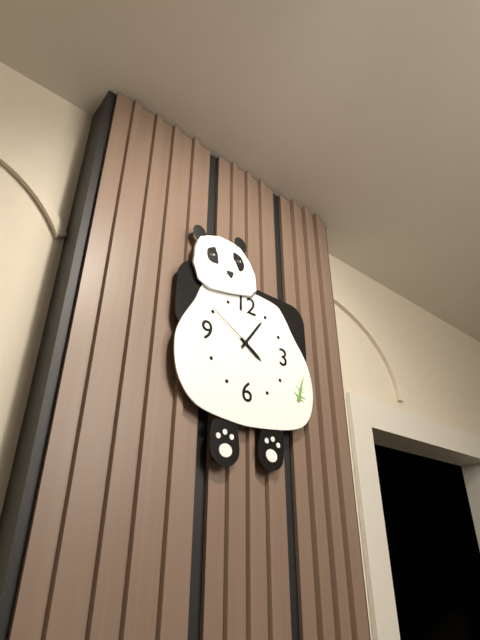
4:06:50
